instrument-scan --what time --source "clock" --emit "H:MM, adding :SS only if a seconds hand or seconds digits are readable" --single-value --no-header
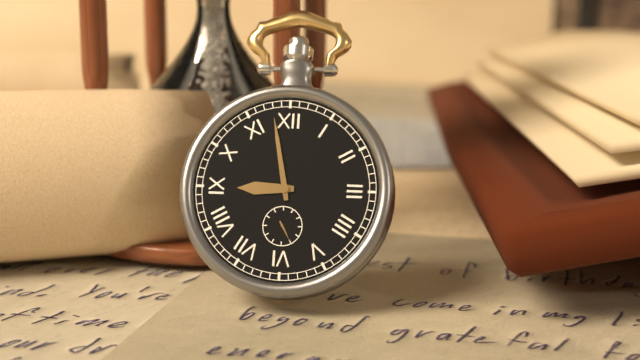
8:58
